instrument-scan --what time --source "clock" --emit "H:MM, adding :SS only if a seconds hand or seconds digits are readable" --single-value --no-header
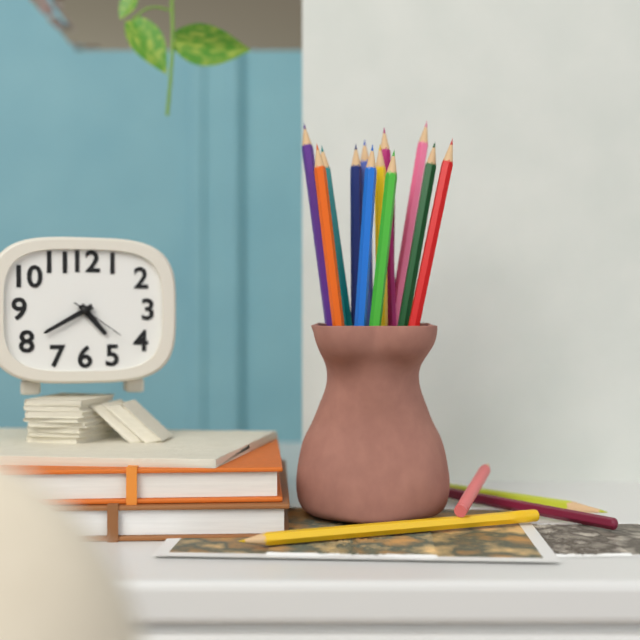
4:40:21
